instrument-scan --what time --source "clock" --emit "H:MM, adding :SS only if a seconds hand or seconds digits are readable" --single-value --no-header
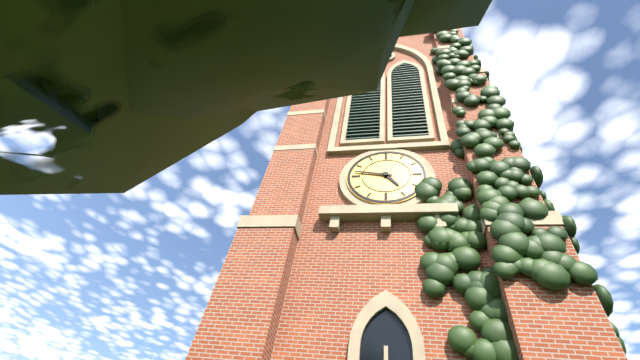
4:47
